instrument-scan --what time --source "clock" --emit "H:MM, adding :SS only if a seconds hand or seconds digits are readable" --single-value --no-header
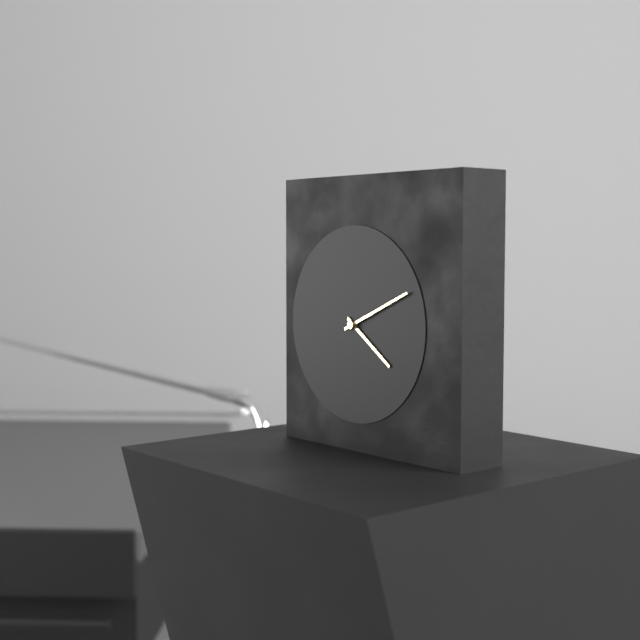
4:11
